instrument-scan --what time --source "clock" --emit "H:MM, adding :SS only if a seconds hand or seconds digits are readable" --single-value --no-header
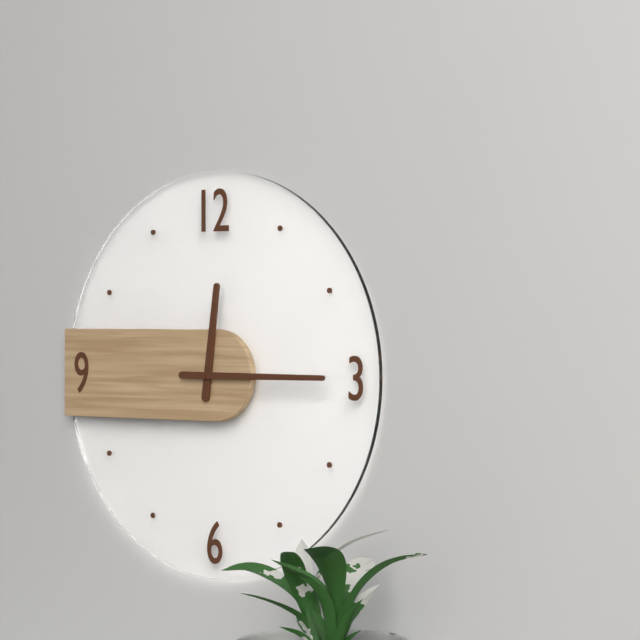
12:15
